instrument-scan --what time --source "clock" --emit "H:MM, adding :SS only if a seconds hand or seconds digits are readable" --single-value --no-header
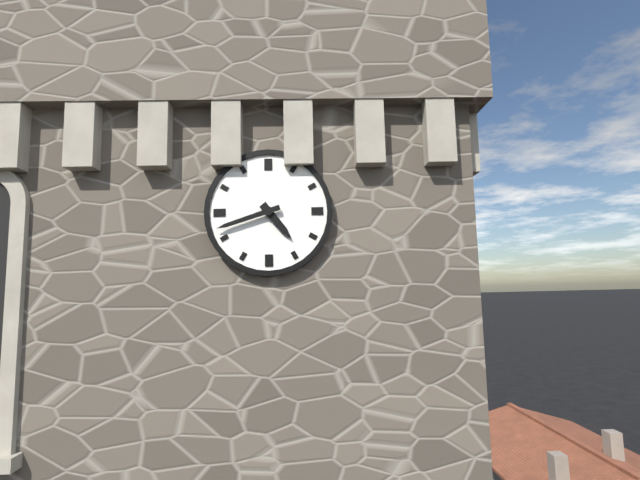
4:42
